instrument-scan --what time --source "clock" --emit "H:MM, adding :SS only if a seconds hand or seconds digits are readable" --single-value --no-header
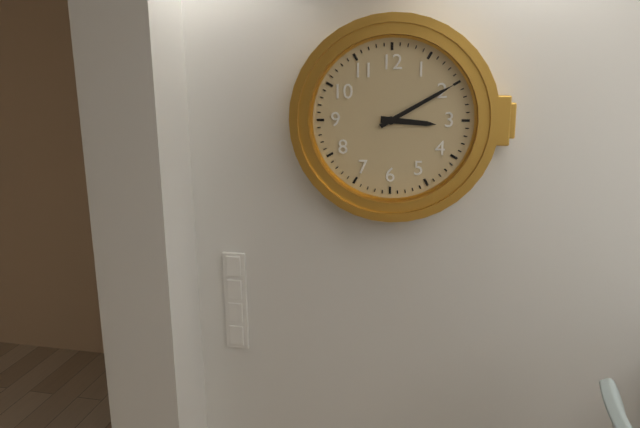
3:10
